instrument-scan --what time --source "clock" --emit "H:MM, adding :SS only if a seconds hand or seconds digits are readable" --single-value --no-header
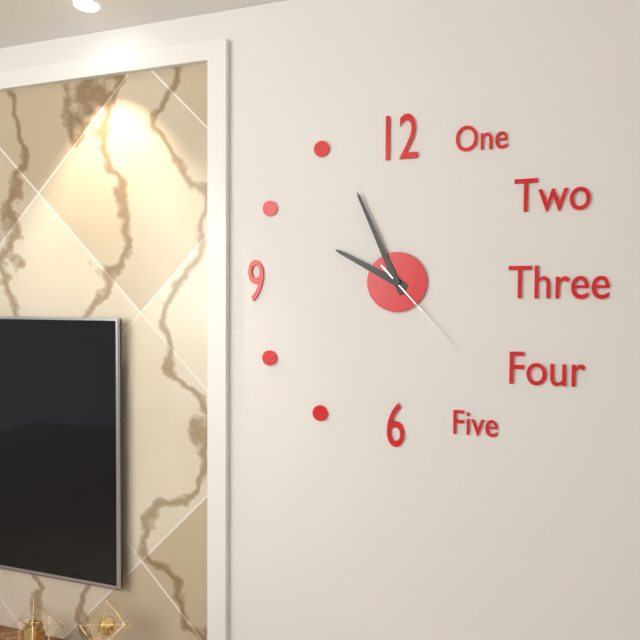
9:56:23
